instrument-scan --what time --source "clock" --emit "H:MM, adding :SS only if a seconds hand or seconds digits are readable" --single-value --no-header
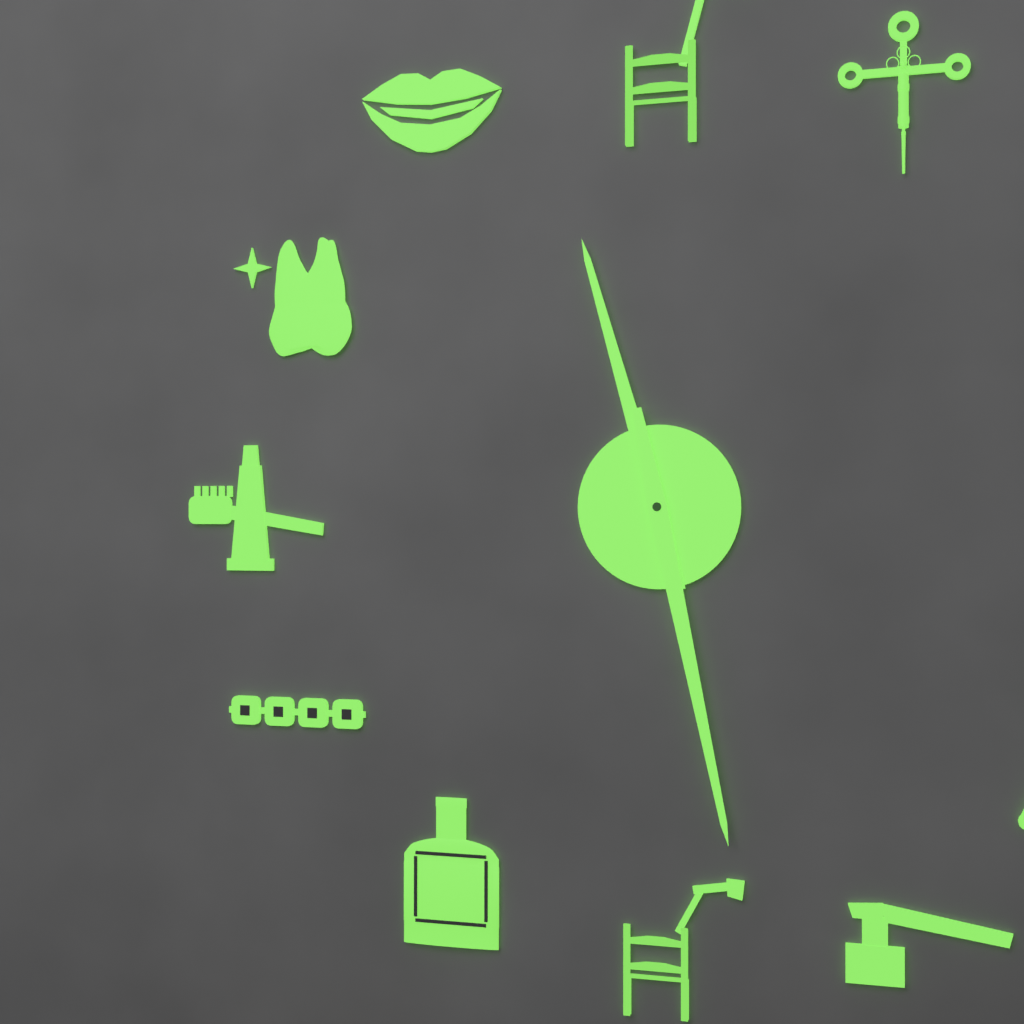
11:28
